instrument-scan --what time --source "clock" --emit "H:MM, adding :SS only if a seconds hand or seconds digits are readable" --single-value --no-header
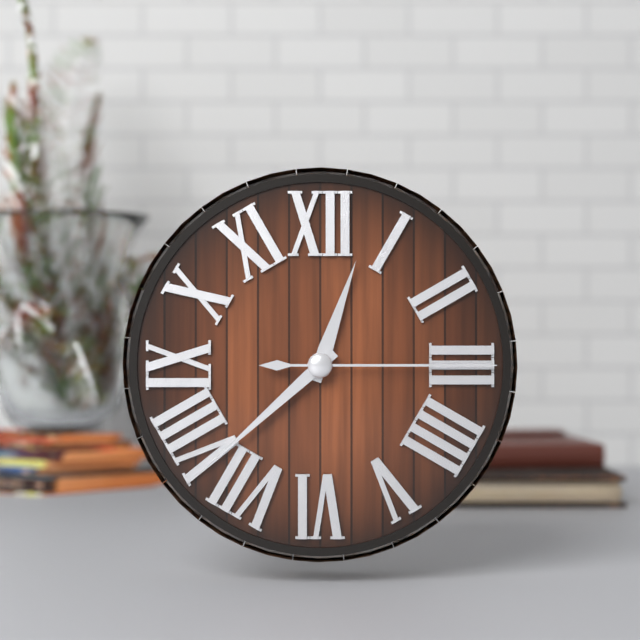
12:38:15
